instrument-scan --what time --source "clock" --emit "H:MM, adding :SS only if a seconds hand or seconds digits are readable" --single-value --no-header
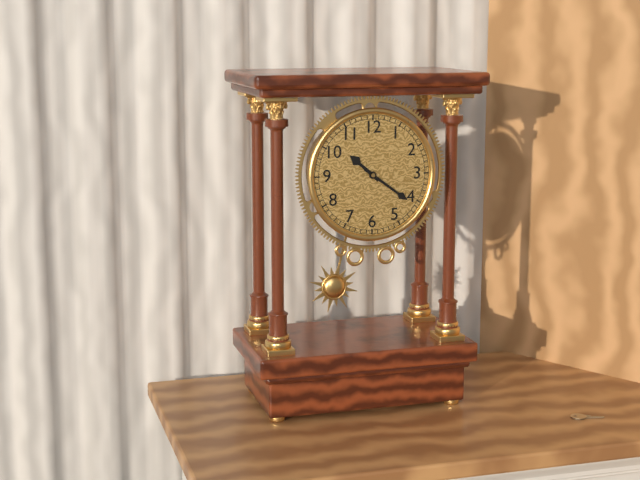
10:21
